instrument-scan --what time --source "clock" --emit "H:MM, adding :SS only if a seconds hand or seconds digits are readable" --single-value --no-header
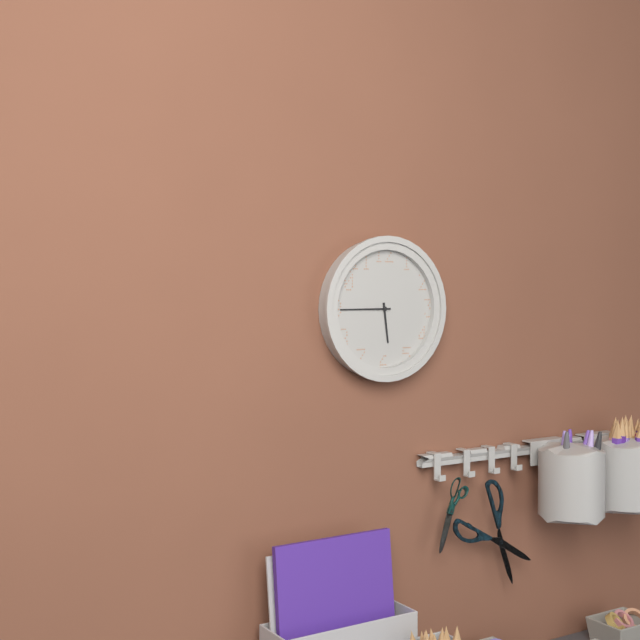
5:45
